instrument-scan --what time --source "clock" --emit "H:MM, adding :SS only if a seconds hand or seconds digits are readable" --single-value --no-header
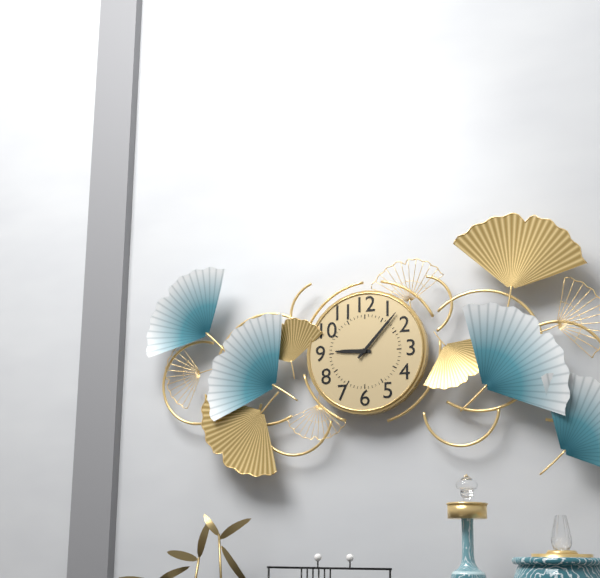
9:07
